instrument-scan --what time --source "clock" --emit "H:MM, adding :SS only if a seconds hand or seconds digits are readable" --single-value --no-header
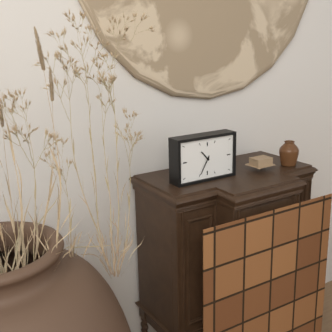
10:35
